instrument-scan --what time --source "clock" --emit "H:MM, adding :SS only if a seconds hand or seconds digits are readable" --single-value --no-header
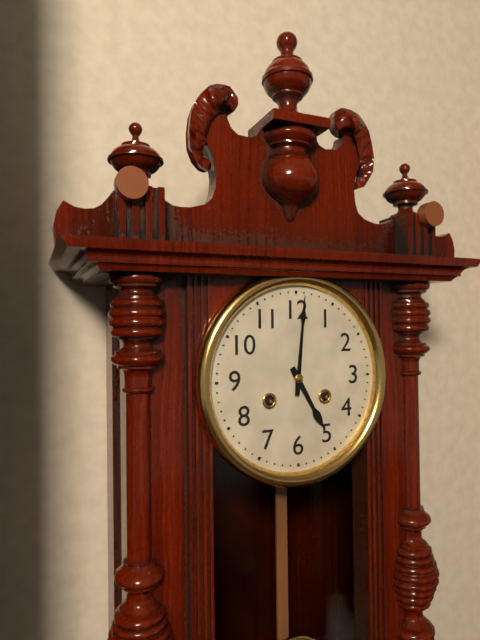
5:01
